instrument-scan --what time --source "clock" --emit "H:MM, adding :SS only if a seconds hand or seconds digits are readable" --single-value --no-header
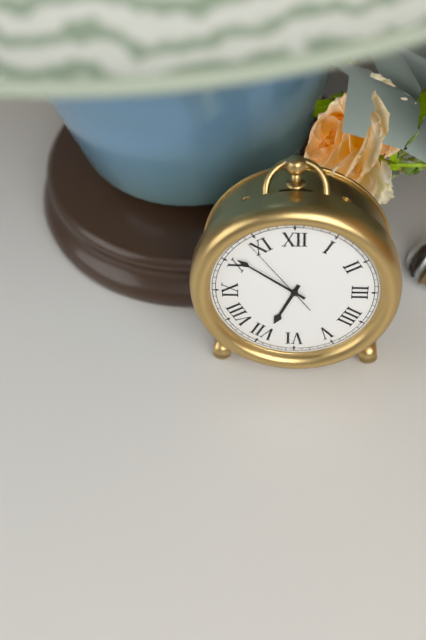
6:51:54
